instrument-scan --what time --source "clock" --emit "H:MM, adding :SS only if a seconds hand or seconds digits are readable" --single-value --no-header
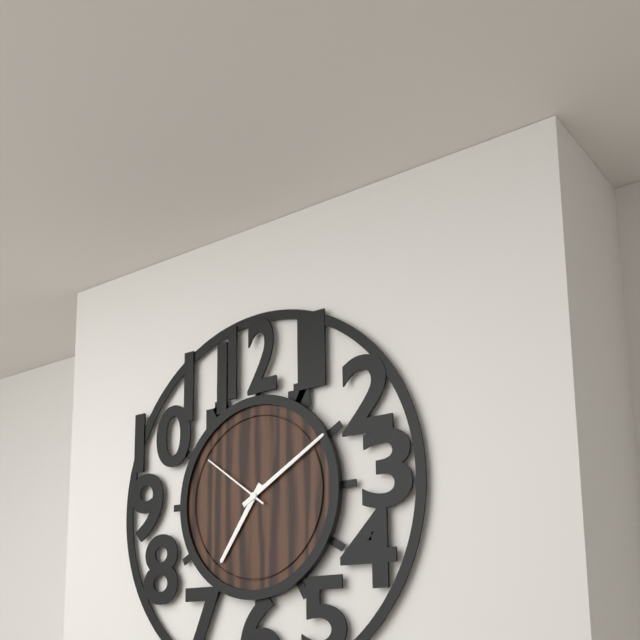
7:10:51
